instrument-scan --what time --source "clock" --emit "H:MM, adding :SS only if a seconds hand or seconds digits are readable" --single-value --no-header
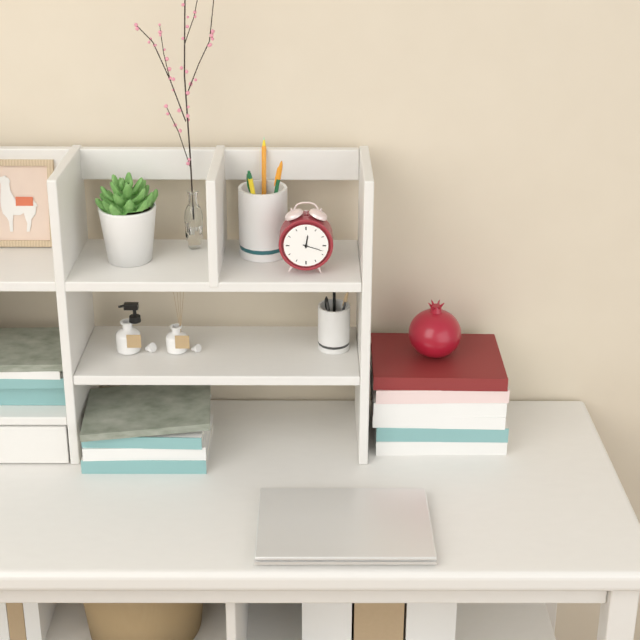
12:18
